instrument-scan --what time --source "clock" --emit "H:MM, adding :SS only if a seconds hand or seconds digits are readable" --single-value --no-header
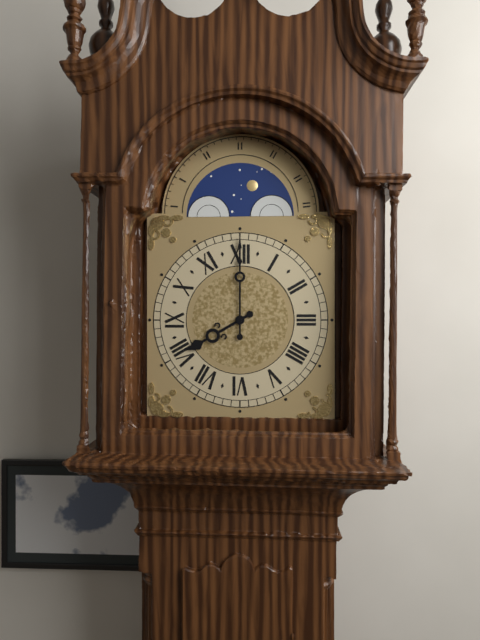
8:00
